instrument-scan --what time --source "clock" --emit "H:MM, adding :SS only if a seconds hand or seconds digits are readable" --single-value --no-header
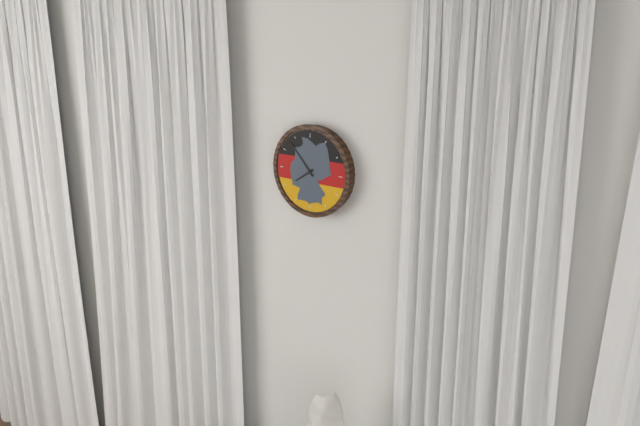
7:53
